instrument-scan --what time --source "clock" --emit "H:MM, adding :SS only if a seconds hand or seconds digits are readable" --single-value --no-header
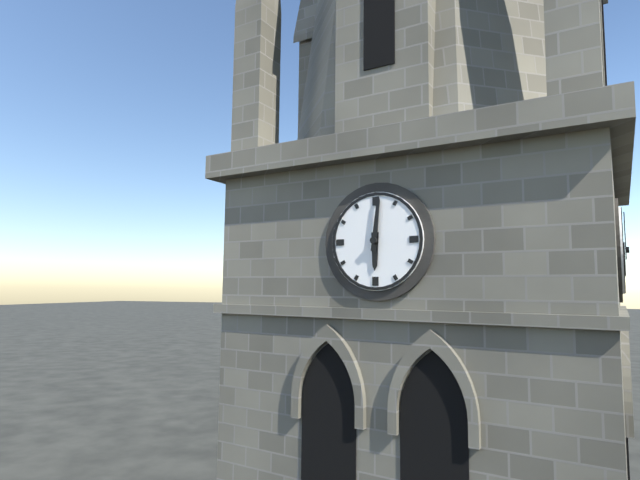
6:01
